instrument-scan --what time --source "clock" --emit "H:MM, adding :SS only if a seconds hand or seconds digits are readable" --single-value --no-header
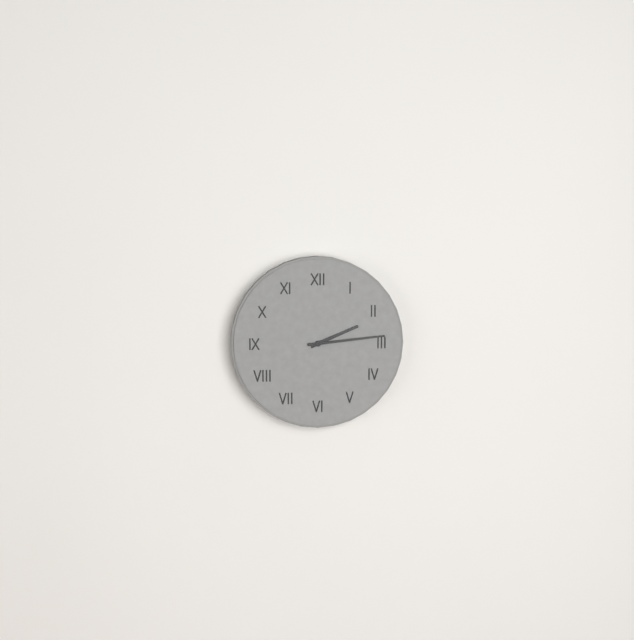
2:14
